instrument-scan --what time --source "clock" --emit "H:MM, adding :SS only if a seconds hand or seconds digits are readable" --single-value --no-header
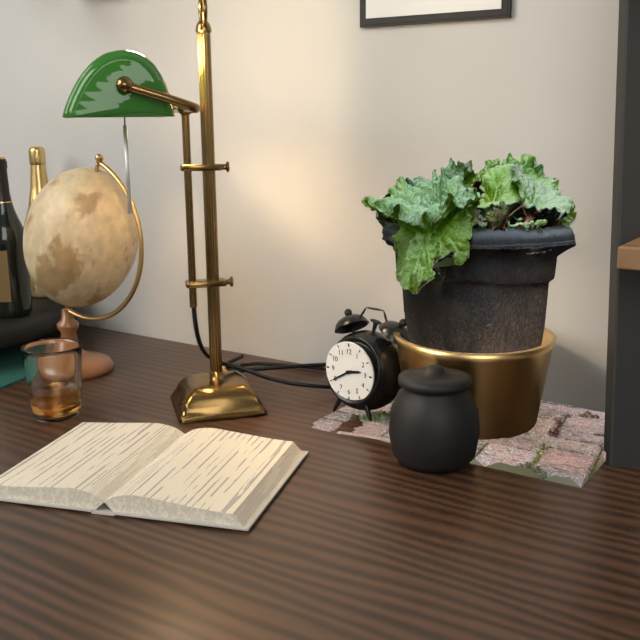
2:40
